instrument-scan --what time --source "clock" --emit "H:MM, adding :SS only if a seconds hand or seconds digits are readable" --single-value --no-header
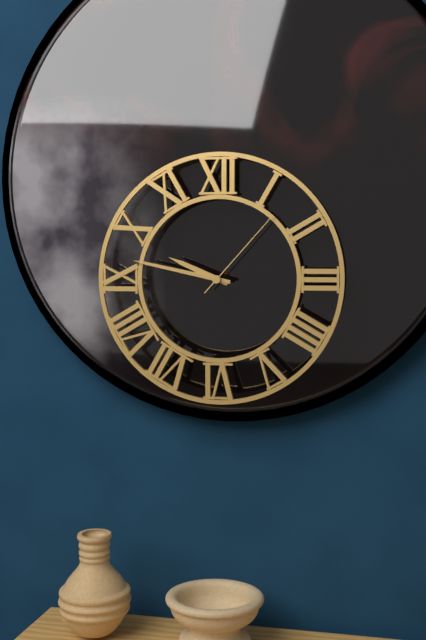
9:47:07
